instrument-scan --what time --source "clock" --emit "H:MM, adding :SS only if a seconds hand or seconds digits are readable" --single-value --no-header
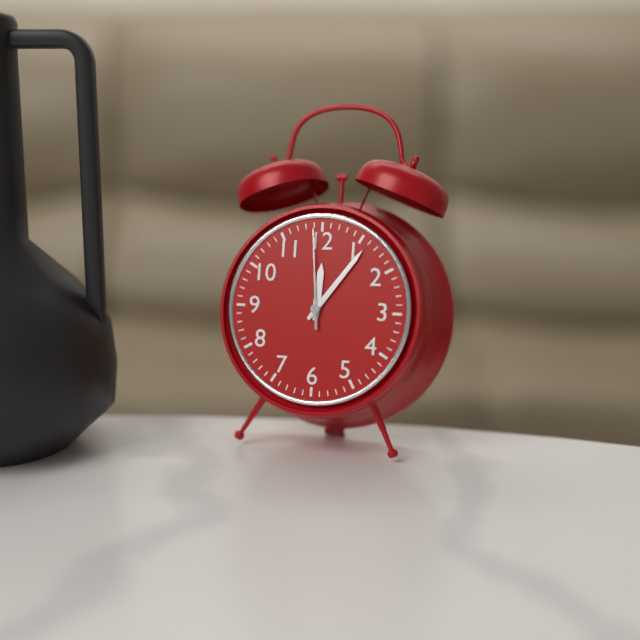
12:06:59
